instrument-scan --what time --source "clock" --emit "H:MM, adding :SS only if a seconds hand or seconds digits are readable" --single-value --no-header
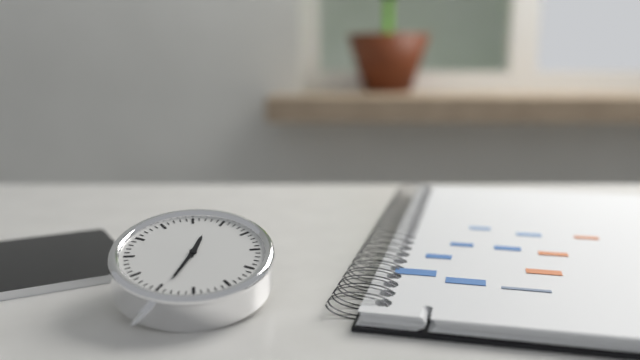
12:34
